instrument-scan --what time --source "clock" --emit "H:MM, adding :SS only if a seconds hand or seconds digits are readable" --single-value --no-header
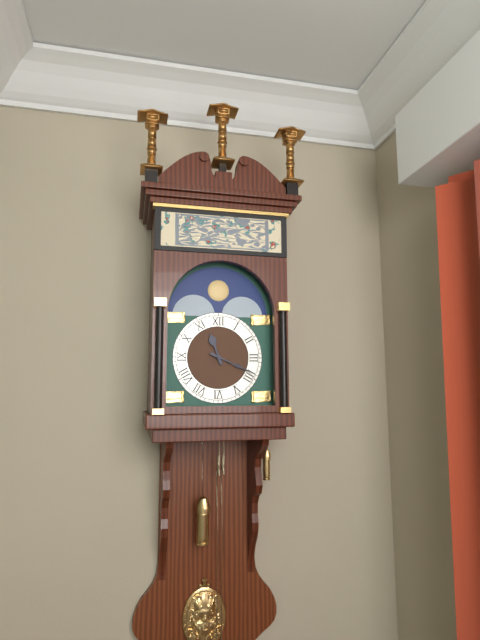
11:19
